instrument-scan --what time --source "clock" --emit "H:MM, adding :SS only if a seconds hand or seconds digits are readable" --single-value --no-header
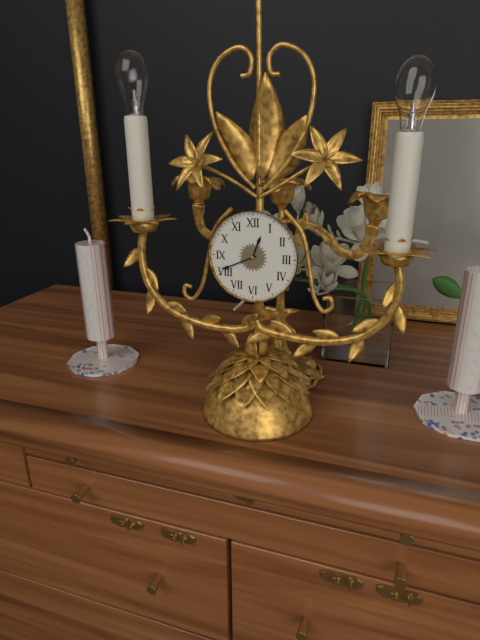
12:41
